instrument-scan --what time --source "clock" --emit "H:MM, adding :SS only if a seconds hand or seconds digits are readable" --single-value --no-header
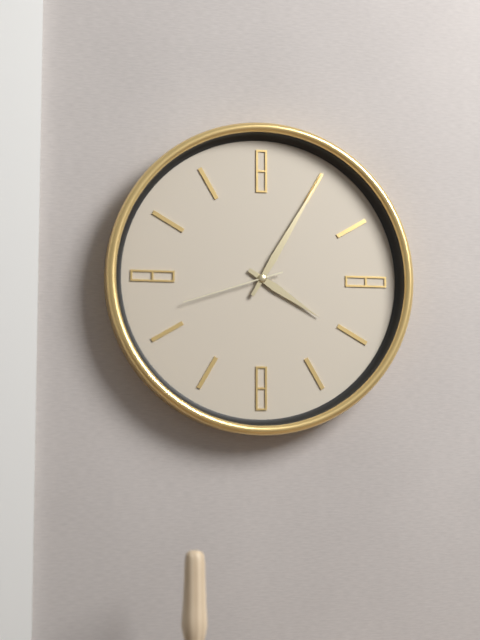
4:05:42
